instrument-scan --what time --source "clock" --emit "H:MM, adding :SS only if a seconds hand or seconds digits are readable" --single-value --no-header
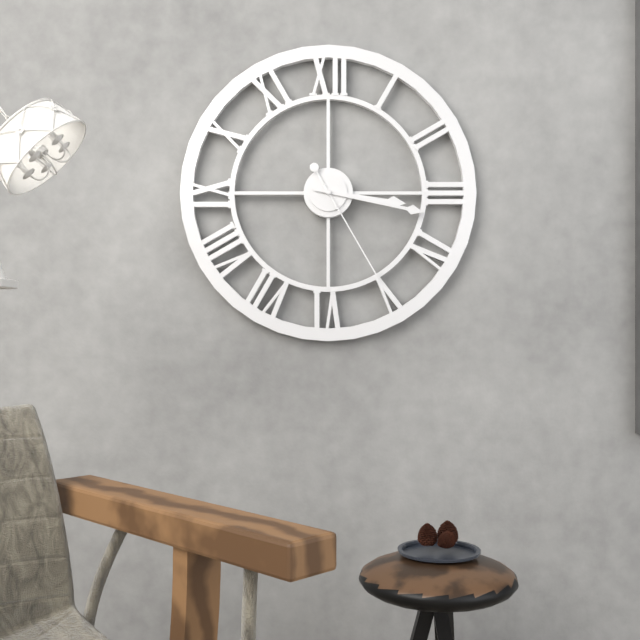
3:17:25
